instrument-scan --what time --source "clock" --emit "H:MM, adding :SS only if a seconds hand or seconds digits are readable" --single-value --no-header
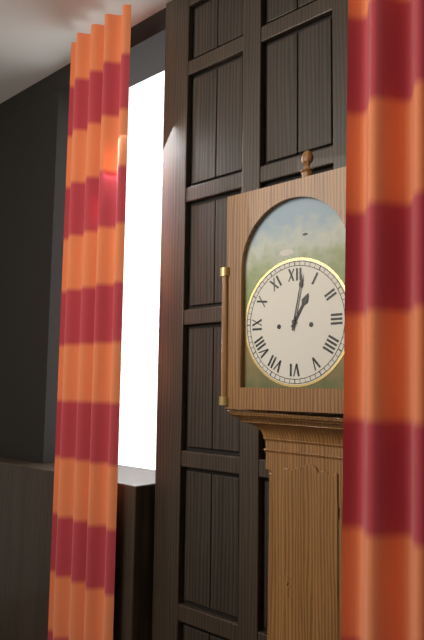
1:02
